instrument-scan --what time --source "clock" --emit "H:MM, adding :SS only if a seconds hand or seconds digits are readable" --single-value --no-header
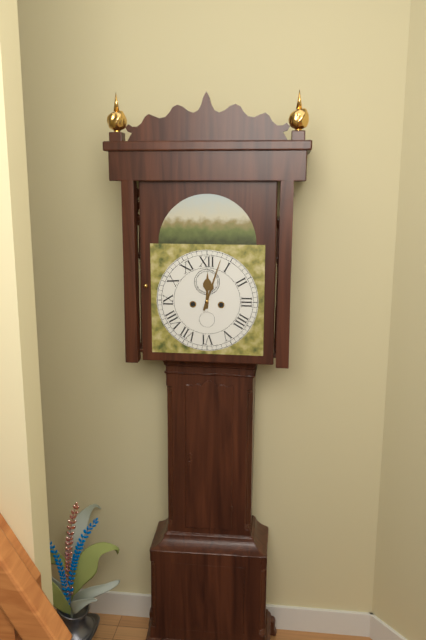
12:03
